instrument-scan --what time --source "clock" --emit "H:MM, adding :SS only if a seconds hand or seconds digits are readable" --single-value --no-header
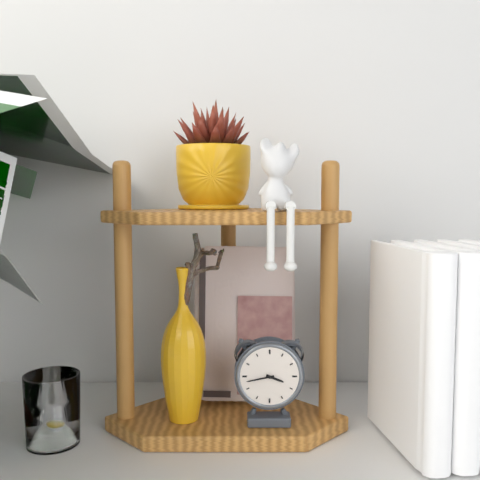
3:43
